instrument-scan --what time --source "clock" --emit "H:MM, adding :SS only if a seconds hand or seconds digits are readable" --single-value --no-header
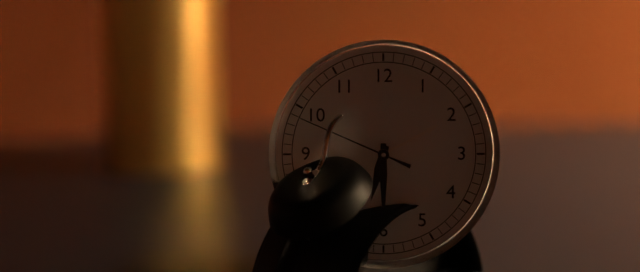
6:30:49
